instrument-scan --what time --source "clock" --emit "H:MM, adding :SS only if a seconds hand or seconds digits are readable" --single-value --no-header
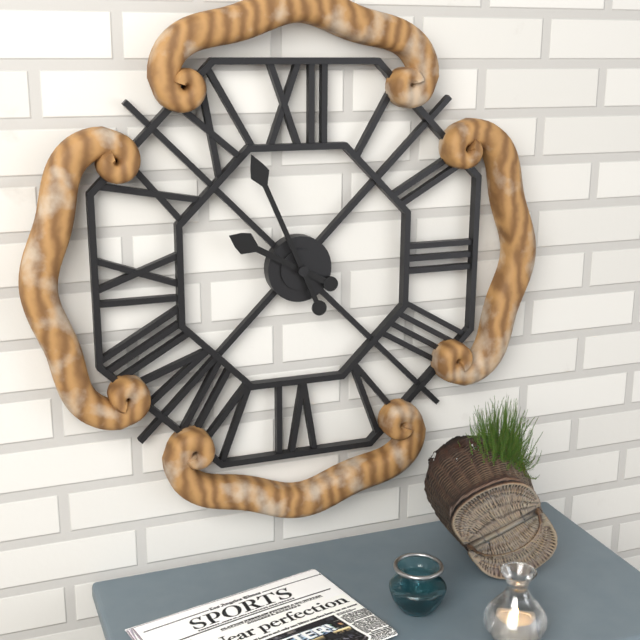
9:56
